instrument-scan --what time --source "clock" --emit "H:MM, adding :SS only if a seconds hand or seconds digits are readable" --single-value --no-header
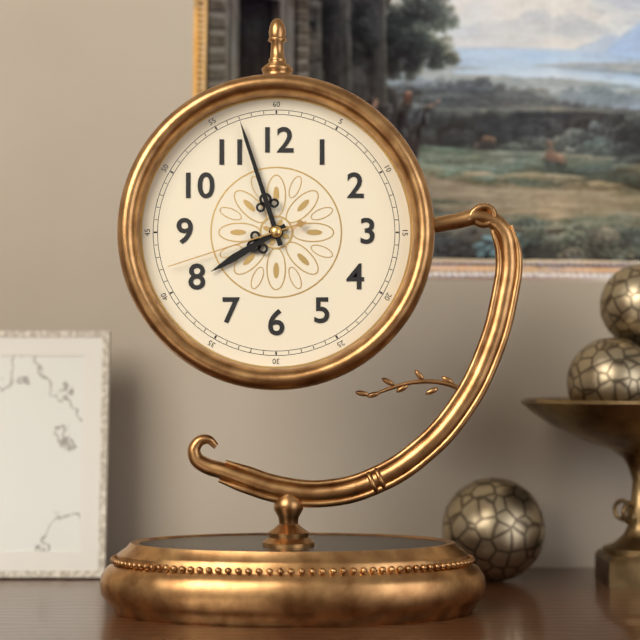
7:57:42
